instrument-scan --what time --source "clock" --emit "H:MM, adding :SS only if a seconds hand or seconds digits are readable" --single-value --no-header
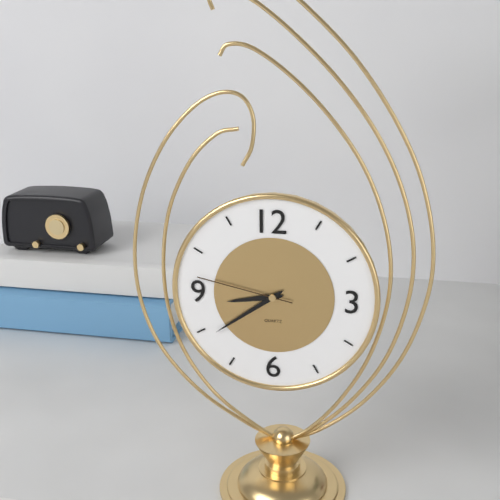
8:39:47
